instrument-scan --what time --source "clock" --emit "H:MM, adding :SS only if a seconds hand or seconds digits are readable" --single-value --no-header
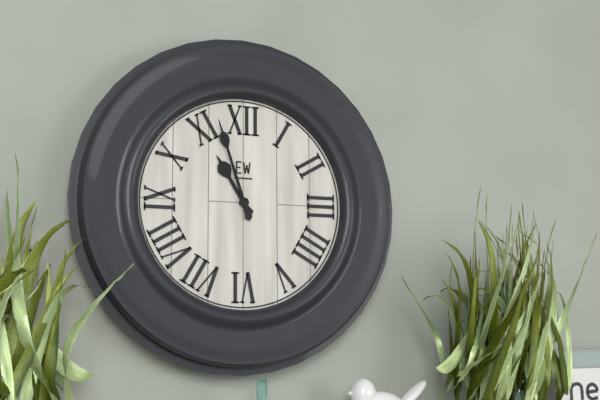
10:57
